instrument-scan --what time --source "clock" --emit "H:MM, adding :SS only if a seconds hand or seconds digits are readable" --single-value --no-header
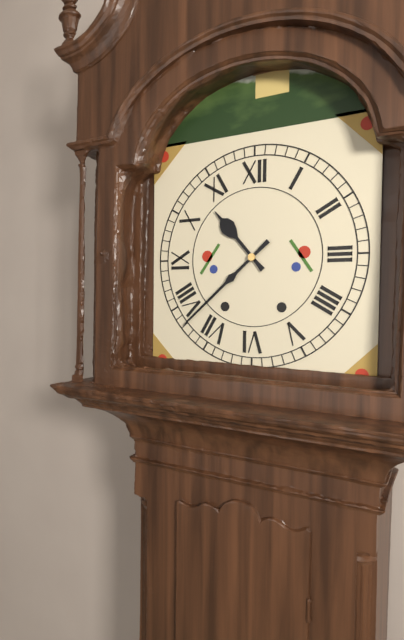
10:38
